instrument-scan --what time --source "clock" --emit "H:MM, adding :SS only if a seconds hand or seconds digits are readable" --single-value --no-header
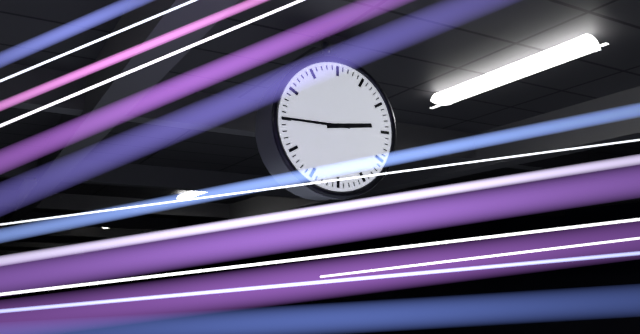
2:45
